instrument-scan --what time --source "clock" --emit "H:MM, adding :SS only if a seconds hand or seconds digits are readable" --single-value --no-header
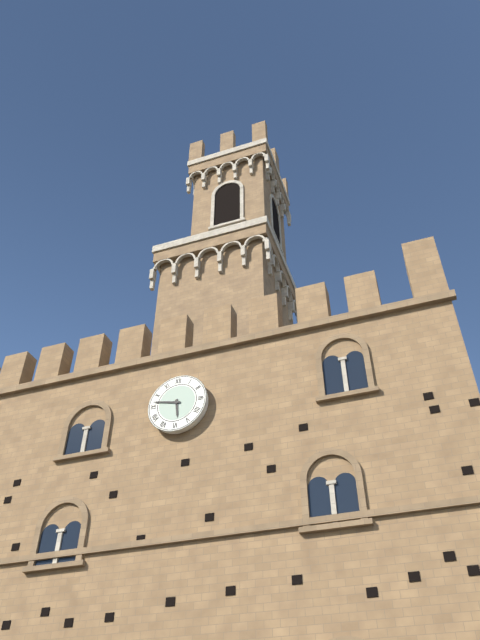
5:47
